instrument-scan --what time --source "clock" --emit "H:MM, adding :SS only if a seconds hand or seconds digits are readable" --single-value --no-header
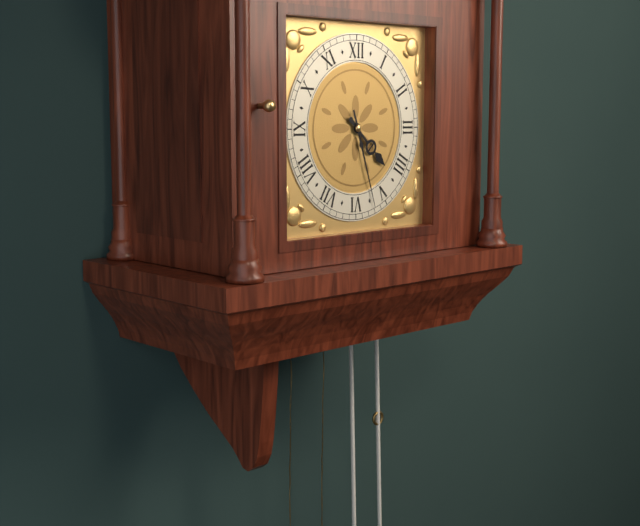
4:27
